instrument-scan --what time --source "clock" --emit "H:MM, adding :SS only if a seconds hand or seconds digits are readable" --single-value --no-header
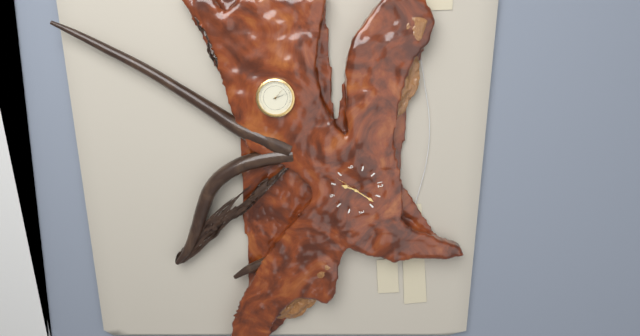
7:08
